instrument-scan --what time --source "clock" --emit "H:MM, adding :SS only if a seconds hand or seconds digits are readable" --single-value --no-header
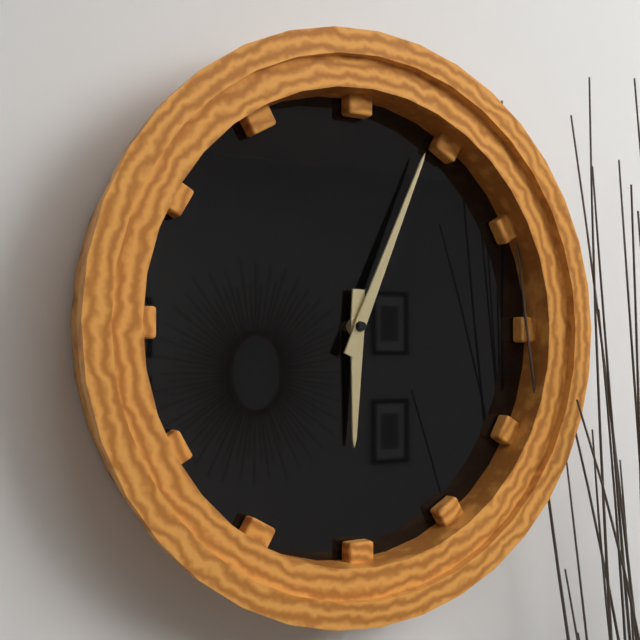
6:04
